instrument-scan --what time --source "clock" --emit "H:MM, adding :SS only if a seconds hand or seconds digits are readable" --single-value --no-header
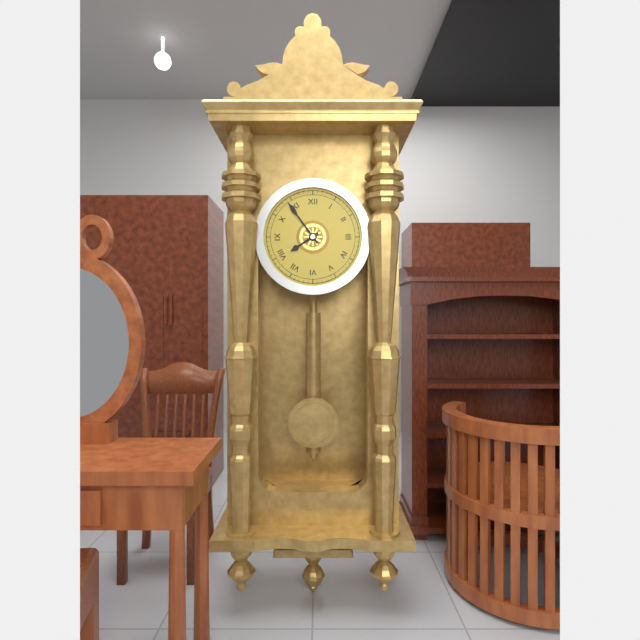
7:54
